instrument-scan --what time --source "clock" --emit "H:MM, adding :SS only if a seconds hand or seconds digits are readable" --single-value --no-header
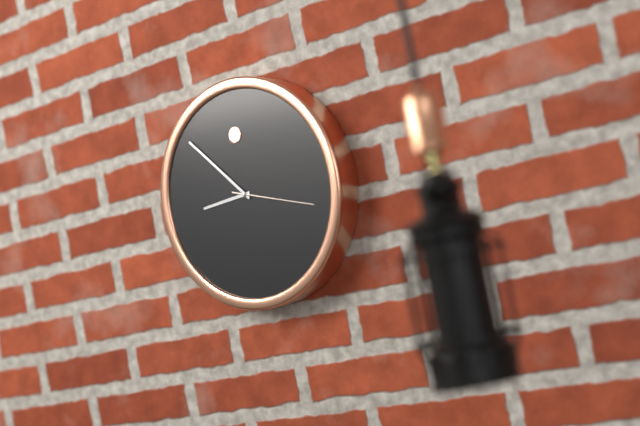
8:53:18
